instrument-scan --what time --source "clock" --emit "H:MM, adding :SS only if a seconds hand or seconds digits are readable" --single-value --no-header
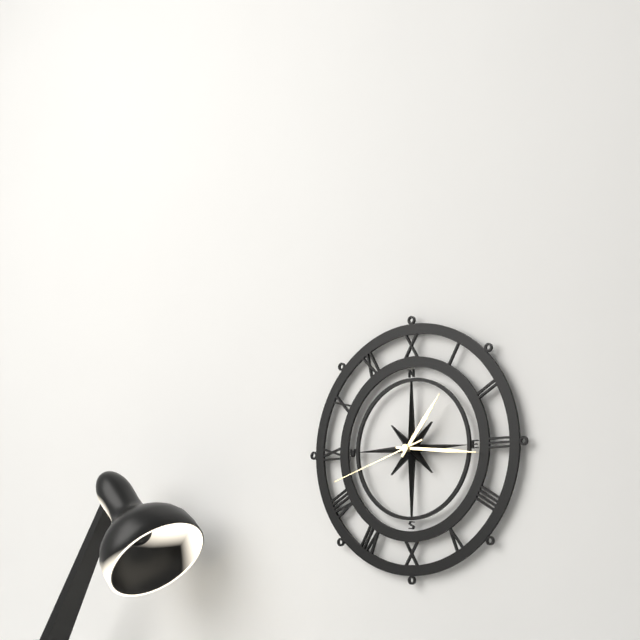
1:16:42
